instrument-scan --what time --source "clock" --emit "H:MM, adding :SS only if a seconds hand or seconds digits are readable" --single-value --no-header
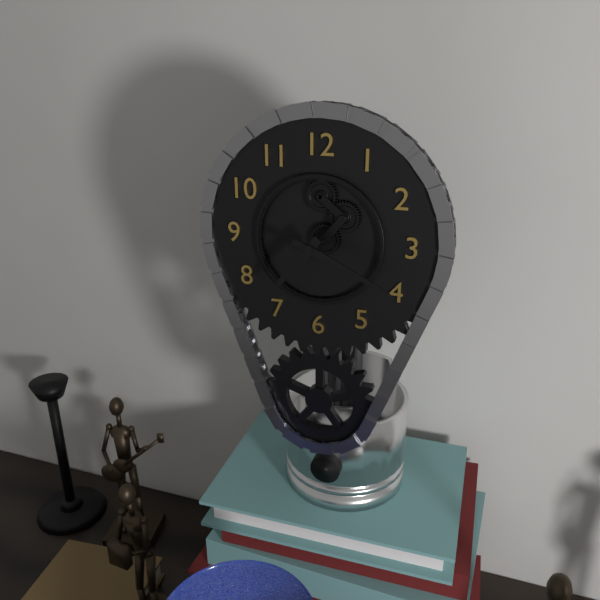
7:19
